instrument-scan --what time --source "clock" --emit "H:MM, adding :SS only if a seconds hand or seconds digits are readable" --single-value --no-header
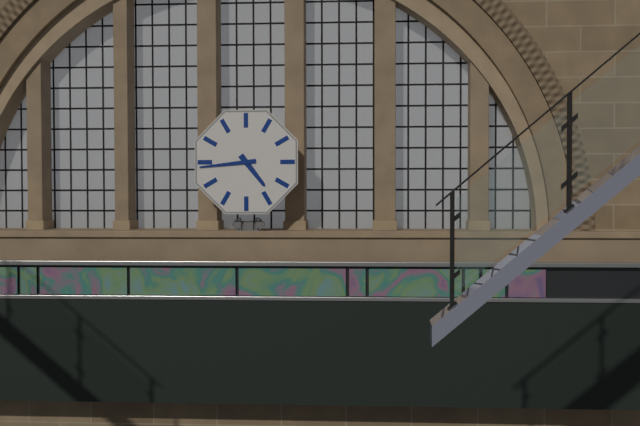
4:44
